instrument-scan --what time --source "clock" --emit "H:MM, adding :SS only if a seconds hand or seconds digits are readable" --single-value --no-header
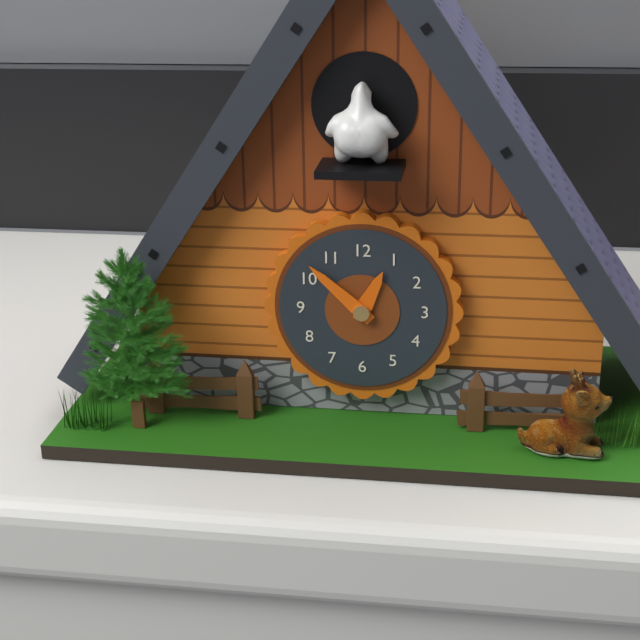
12:52
